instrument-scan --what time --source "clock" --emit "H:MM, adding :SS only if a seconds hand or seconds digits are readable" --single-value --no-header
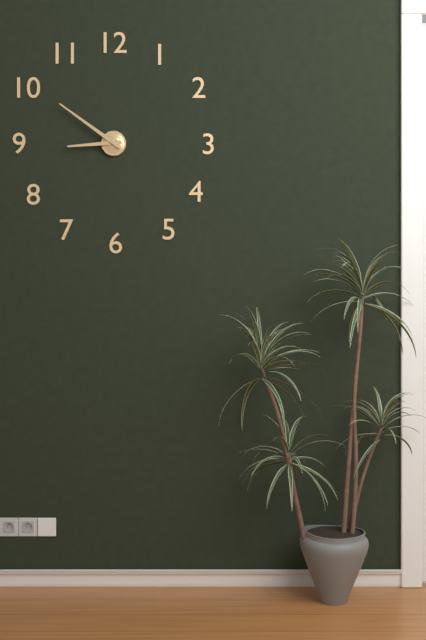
8:51
